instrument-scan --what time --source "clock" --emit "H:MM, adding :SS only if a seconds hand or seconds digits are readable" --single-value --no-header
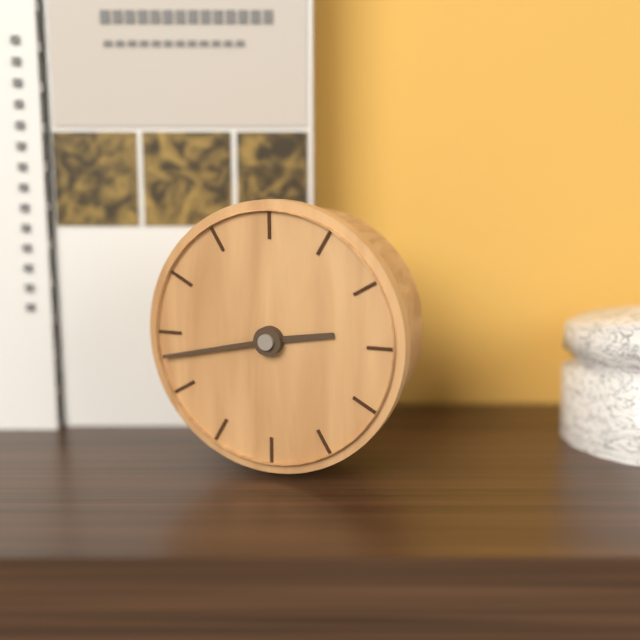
2:43
